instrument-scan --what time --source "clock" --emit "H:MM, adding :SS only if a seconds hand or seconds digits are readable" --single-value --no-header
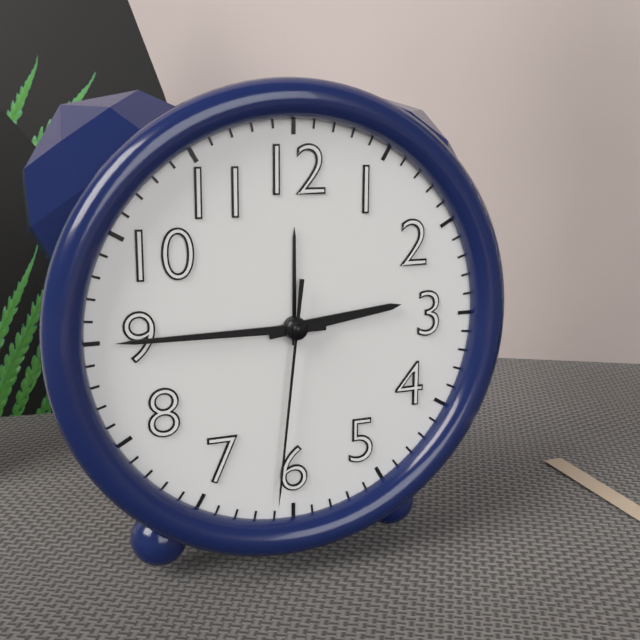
2:45:31
